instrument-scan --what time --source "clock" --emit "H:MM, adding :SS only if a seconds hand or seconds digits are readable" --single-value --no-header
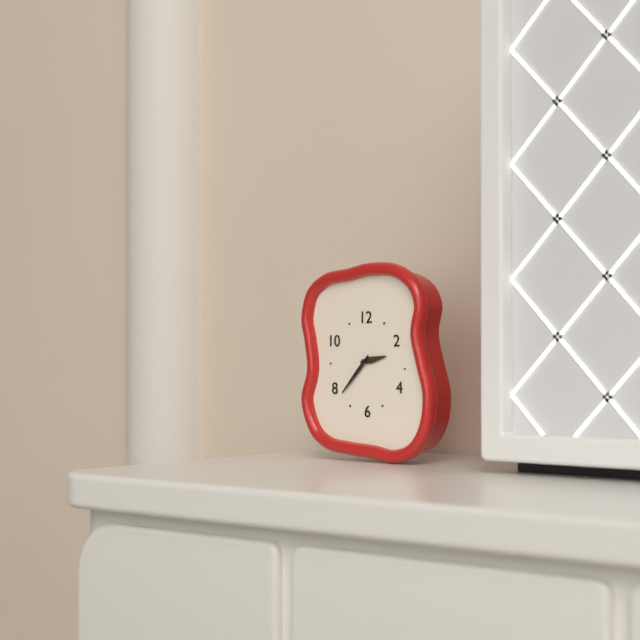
2:37
